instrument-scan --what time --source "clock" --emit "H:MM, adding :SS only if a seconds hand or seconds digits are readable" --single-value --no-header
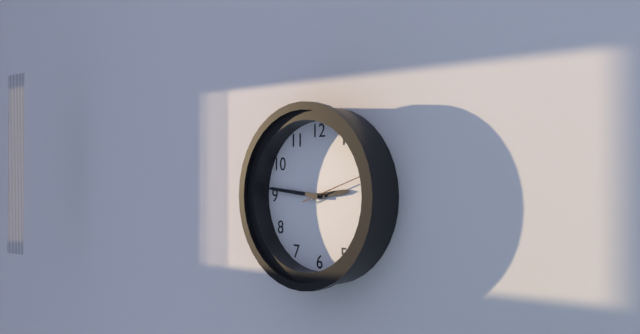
2:46:12
